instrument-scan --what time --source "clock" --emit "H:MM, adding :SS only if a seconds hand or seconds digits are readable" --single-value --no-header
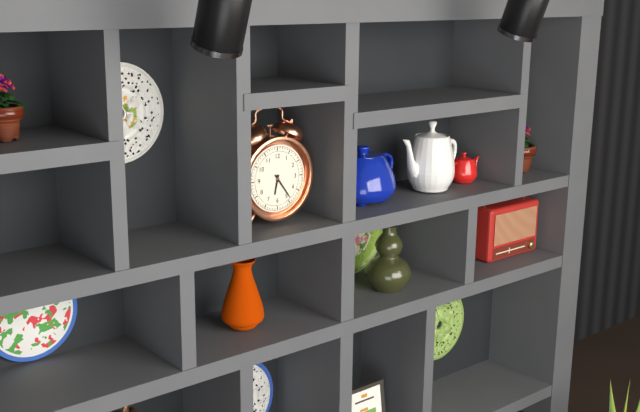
6:24
